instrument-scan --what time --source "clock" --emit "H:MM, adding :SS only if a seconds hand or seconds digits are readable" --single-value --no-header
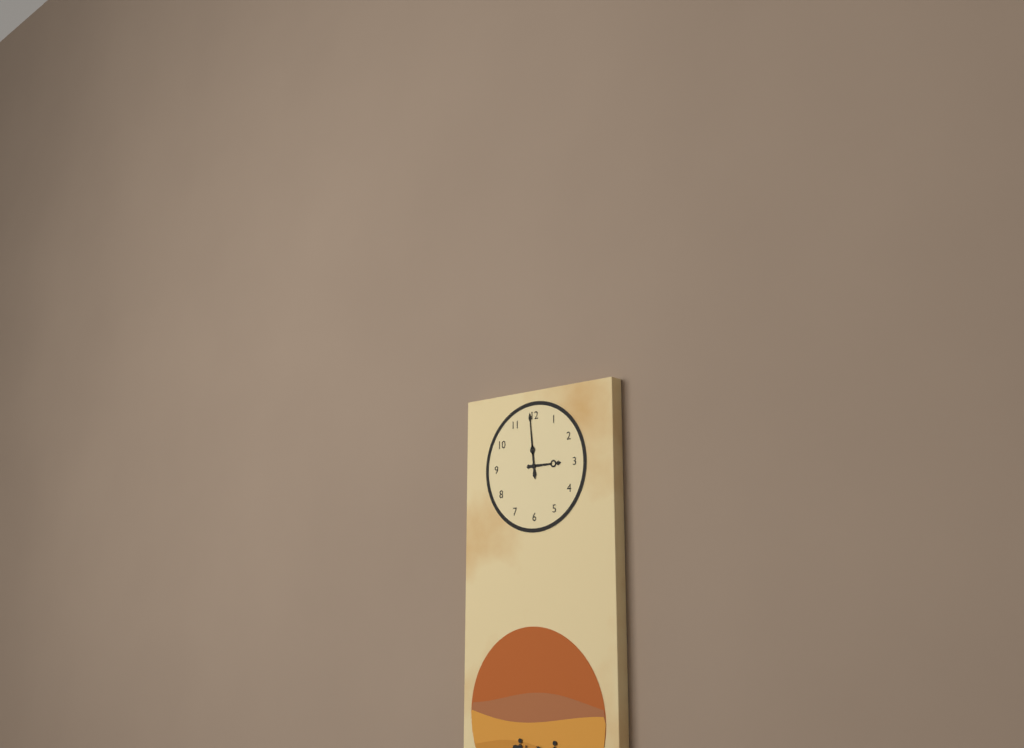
2:59
